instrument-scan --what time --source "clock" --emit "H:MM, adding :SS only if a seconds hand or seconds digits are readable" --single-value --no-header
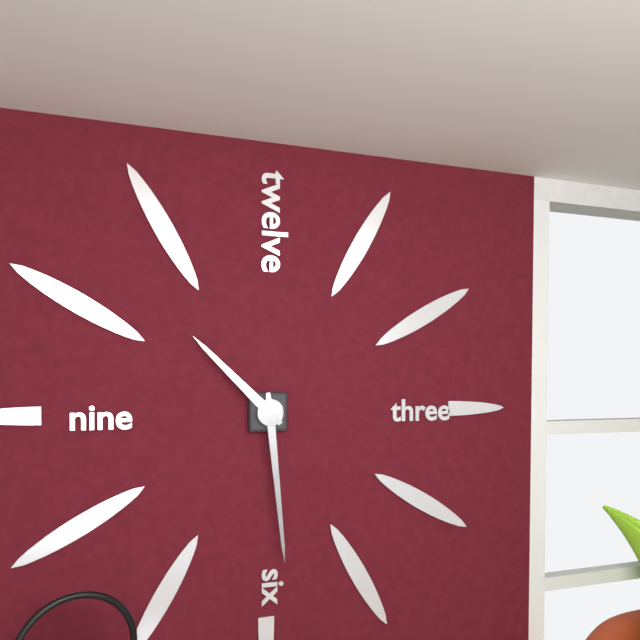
10:29
